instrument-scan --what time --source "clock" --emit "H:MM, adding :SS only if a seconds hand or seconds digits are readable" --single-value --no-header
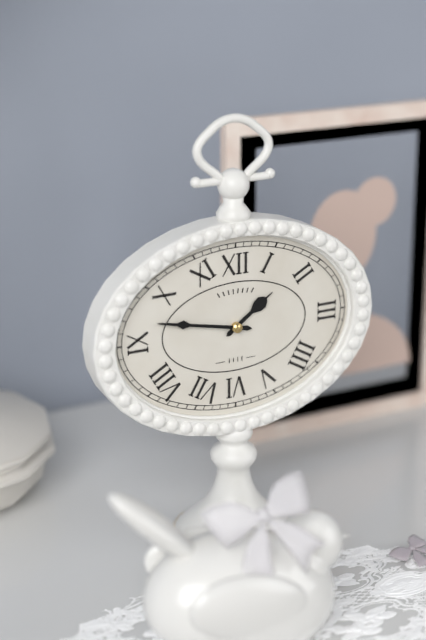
1:47
